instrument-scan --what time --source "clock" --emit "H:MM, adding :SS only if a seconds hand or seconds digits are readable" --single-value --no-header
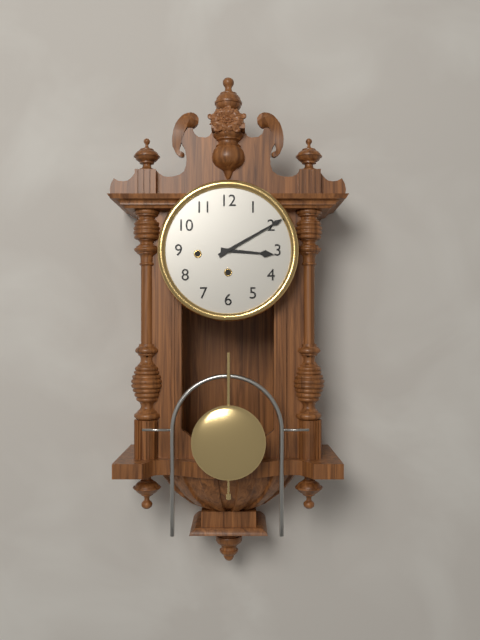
3:10
